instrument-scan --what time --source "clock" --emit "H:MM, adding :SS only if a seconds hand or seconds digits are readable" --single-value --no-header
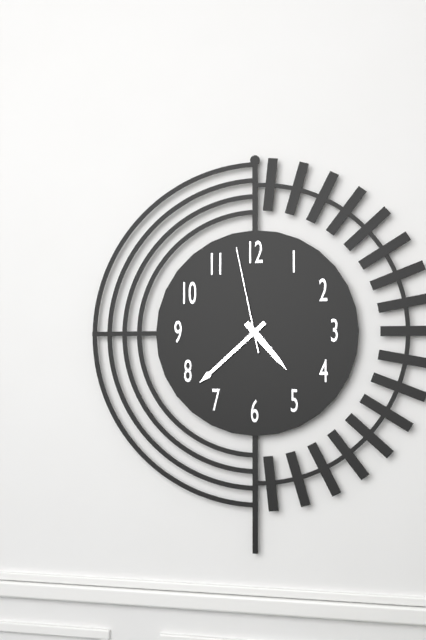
4:38:58
